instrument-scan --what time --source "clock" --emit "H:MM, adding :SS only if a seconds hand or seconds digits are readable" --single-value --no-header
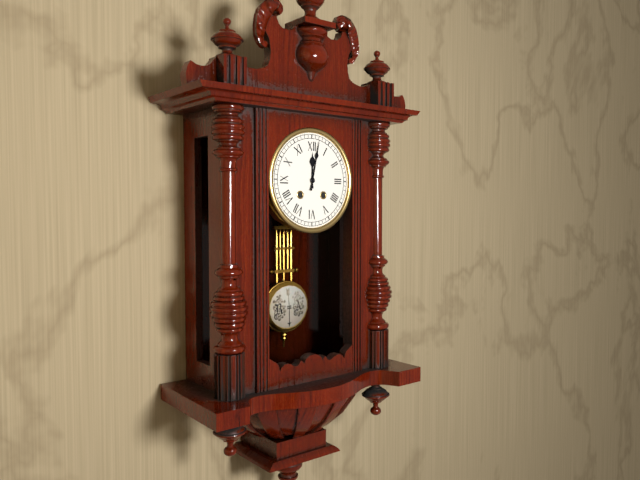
12:02
